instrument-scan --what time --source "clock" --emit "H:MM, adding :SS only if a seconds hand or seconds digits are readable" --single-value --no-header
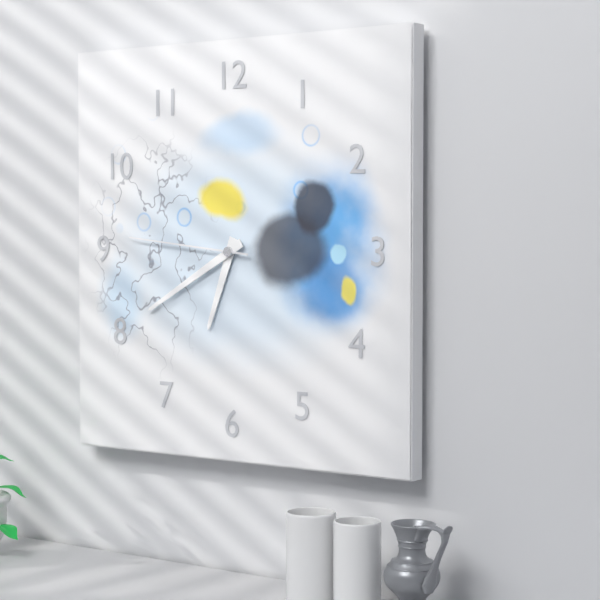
6:40:46
